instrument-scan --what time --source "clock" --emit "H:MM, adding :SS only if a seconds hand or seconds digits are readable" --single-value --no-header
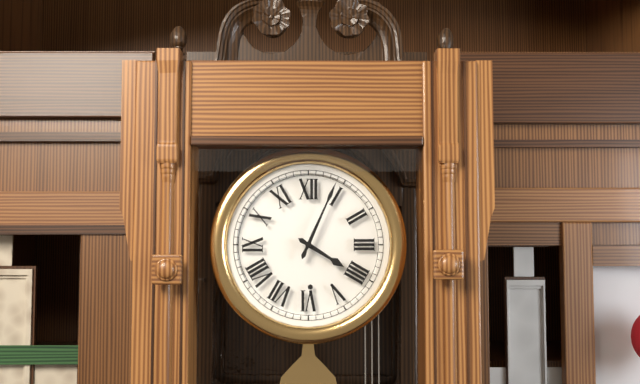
4:04
